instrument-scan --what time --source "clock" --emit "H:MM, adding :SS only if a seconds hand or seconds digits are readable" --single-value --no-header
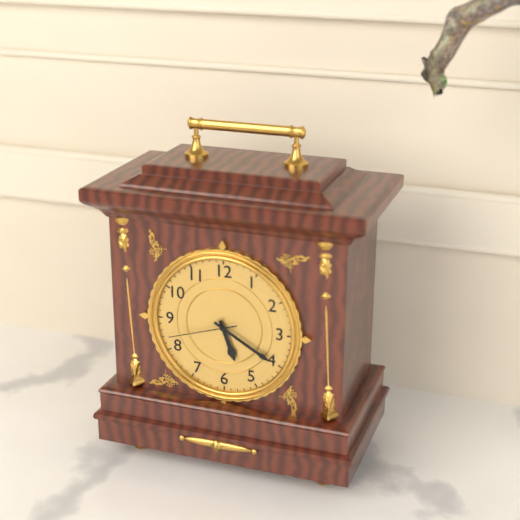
5:20:42
